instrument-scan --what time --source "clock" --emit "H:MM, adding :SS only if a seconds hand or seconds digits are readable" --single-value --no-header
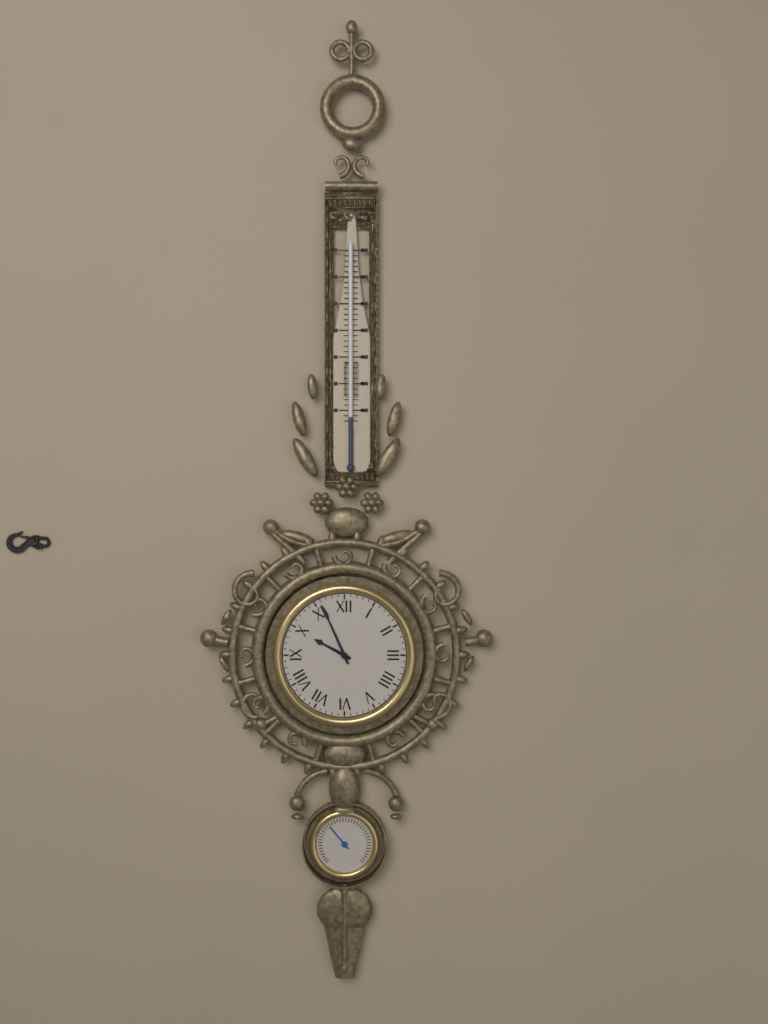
9:56
